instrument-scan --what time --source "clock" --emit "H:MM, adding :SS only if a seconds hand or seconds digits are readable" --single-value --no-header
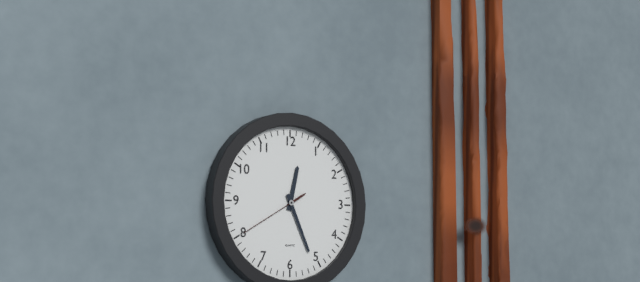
12:26:40
